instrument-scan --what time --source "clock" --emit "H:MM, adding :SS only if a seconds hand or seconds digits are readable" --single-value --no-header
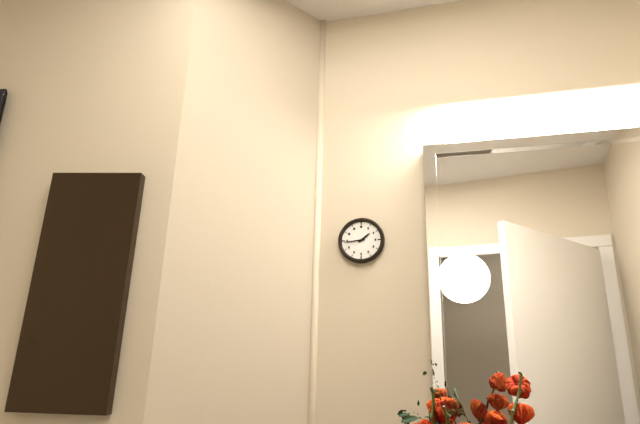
1:44
